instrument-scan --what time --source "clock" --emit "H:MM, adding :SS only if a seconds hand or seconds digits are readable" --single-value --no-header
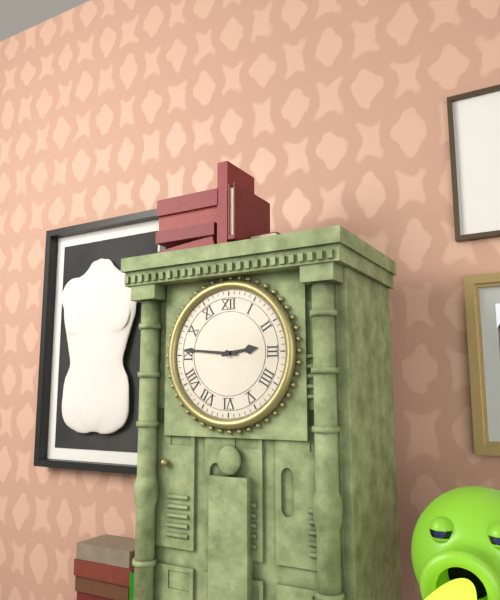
2:46
